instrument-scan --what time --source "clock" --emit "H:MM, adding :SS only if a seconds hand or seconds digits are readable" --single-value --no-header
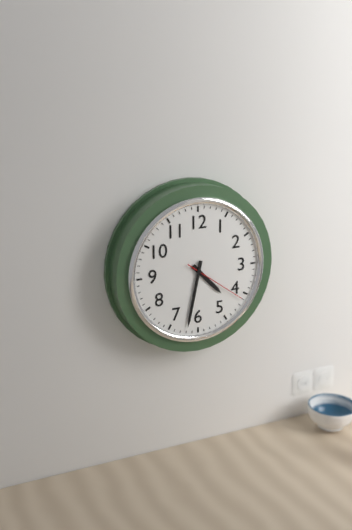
4:32:21
